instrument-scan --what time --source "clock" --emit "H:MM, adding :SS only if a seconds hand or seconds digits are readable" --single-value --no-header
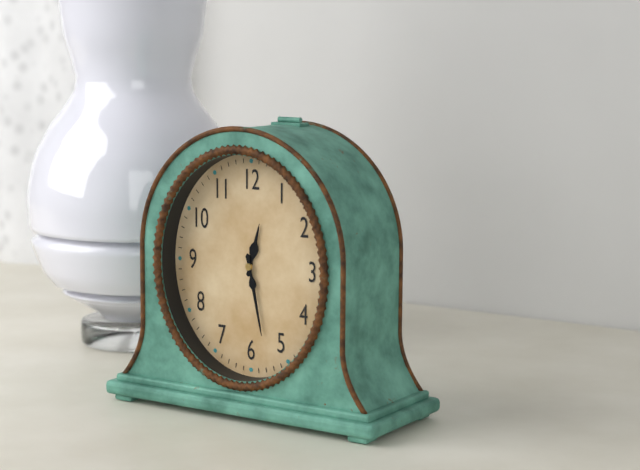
12:28
